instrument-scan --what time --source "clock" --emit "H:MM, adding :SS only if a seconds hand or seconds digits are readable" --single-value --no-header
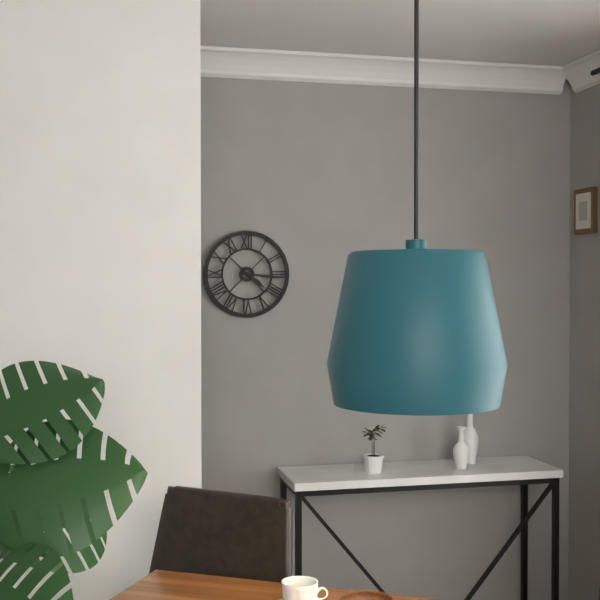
4:16
